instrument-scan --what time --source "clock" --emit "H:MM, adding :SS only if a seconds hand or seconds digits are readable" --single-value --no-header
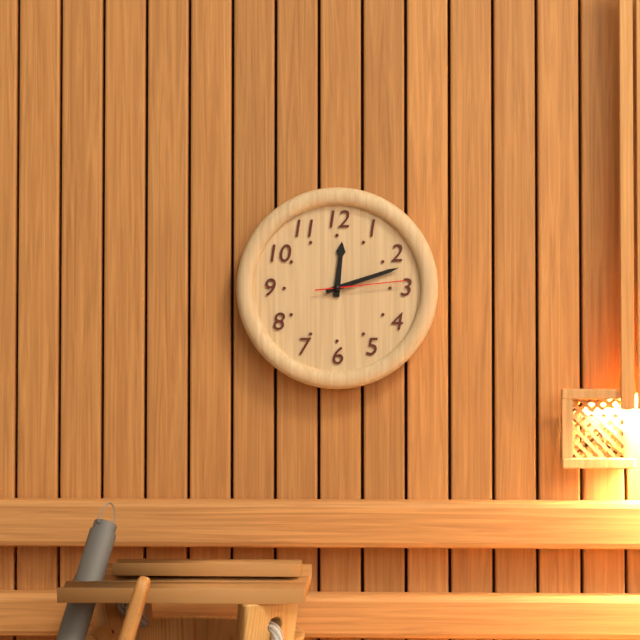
12:12:14
